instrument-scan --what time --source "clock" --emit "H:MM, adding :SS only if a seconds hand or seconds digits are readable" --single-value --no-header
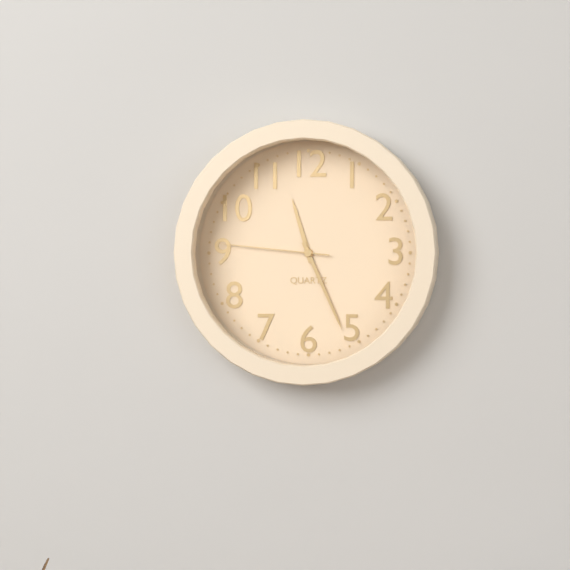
11:26:46
